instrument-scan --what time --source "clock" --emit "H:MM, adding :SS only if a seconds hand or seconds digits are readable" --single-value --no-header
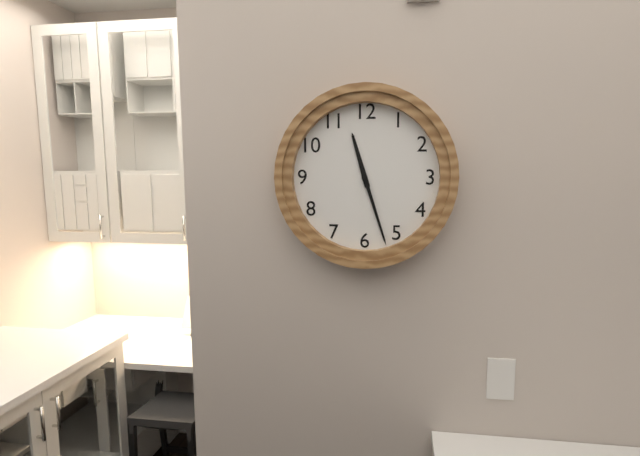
11:27
